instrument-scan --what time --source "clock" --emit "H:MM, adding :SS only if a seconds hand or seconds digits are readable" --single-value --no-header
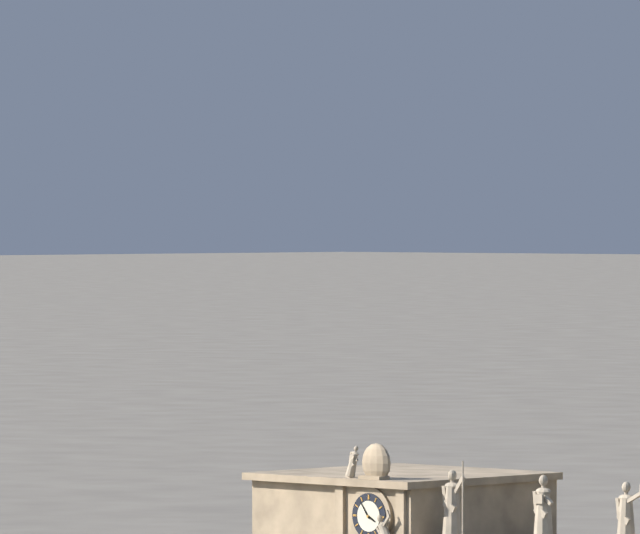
3:54
